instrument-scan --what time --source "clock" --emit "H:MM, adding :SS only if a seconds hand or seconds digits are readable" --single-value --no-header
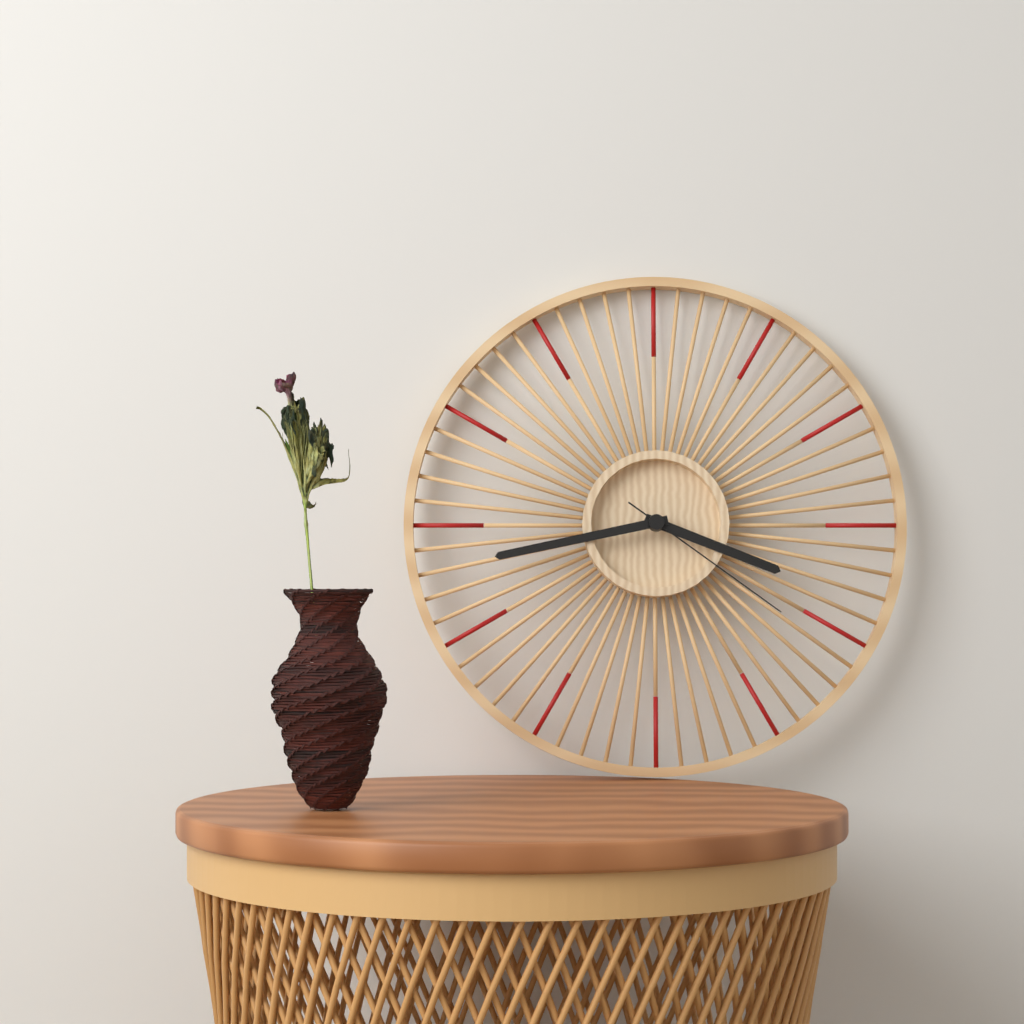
3:43:21
